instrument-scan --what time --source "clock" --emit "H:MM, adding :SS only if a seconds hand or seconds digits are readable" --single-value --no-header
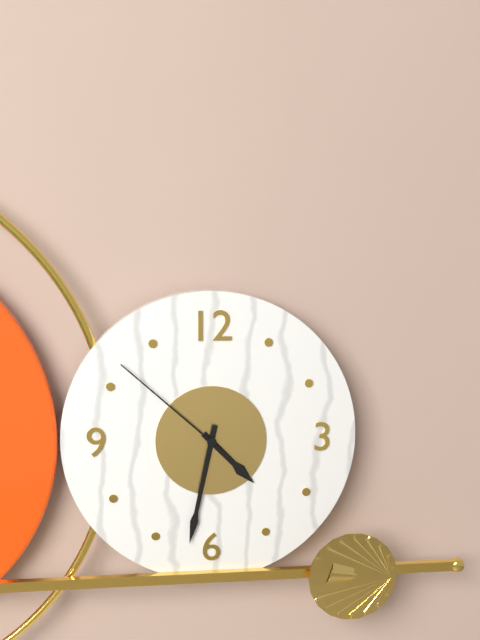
4:32:52
